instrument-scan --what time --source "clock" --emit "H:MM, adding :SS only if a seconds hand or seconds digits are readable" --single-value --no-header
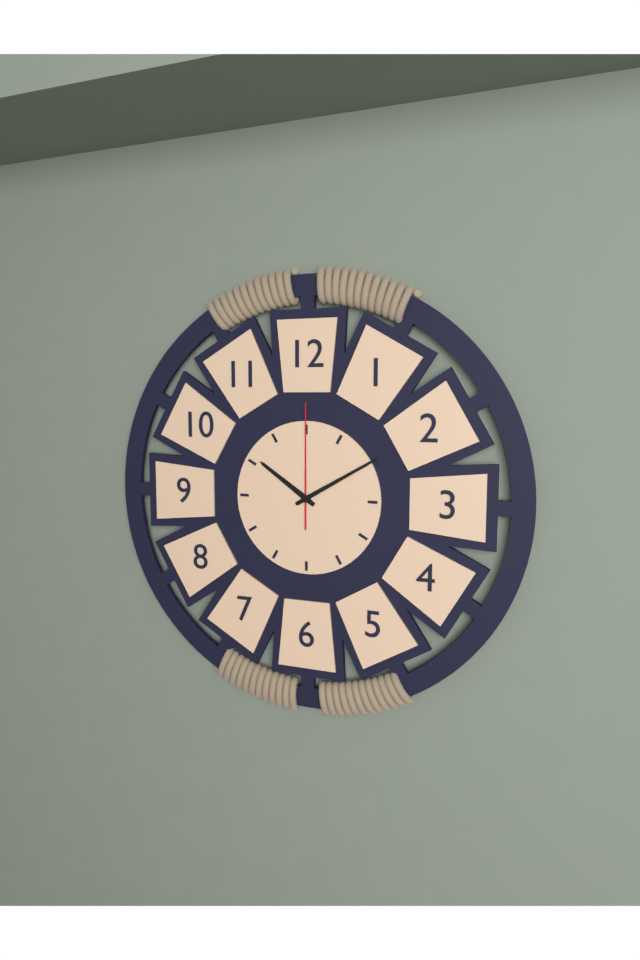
10:10:00
